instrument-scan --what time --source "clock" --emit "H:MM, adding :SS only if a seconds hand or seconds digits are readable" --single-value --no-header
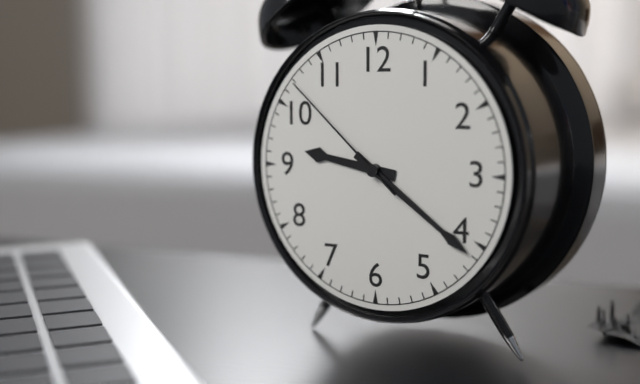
9:21:52
